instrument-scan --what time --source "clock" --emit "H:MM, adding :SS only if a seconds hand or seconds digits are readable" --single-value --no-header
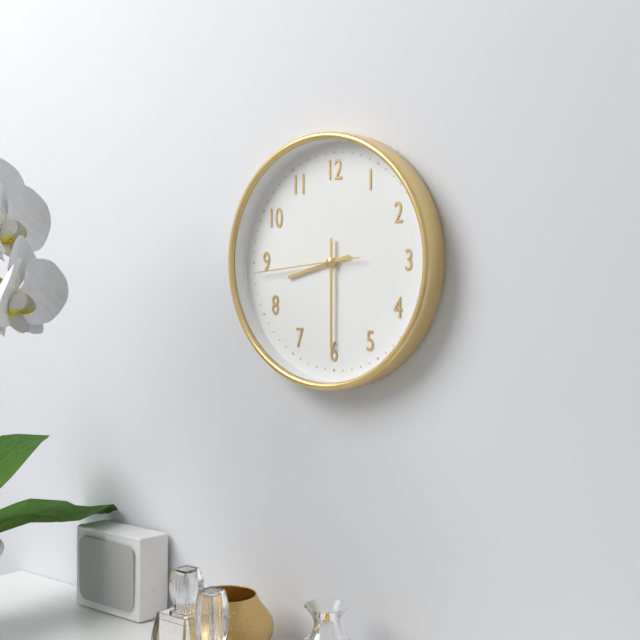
8:30:44
